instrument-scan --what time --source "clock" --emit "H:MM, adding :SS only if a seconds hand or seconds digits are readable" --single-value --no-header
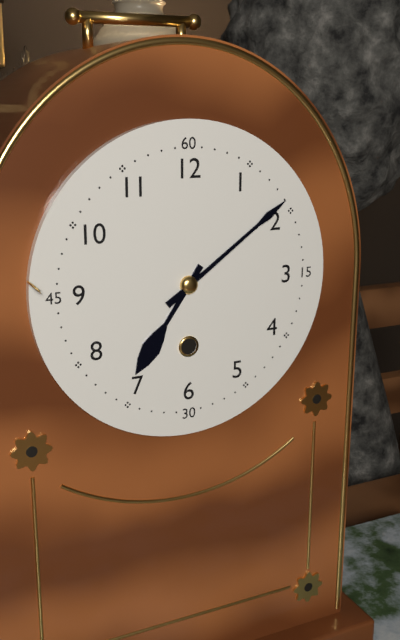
7:09
